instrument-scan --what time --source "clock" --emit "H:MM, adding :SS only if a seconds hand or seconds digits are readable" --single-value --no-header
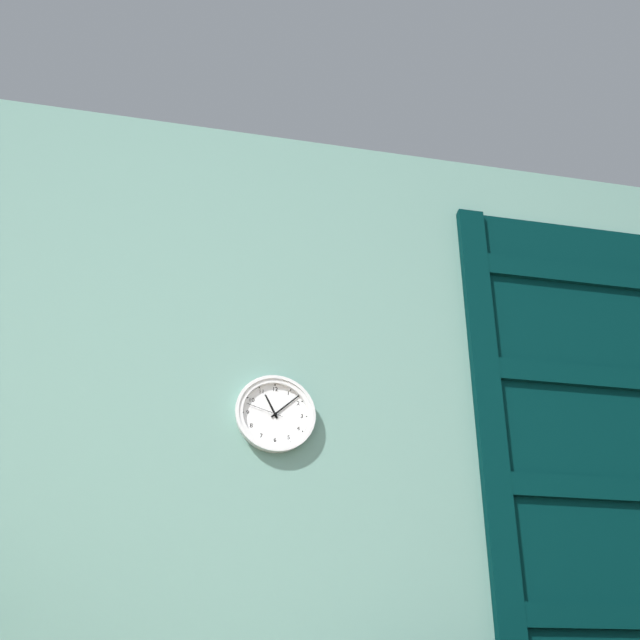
11:08
